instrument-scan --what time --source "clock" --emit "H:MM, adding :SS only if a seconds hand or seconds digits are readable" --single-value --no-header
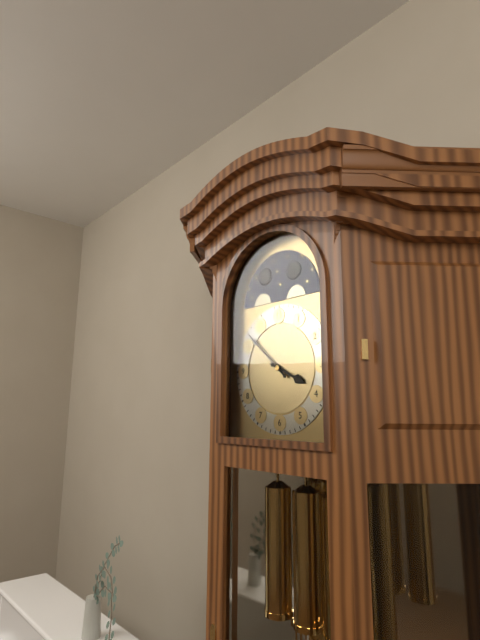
3:52
